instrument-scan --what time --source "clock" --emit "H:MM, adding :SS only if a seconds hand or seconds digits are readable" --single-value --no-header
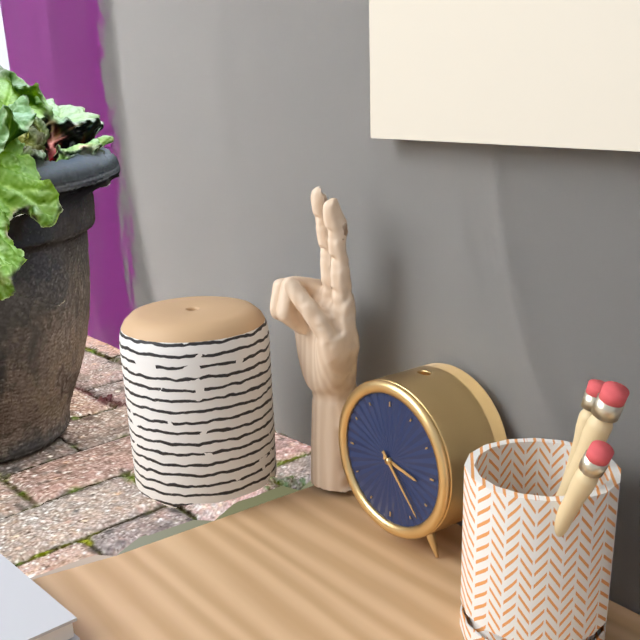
3:23
